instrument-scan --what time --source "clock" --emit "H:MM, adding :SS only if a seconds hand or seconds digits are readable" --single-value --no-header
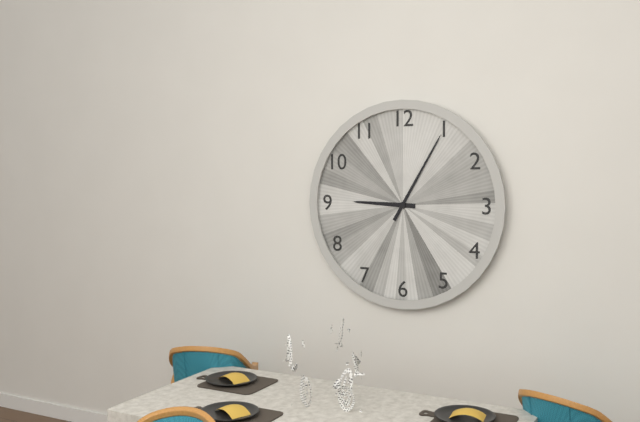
9:05
